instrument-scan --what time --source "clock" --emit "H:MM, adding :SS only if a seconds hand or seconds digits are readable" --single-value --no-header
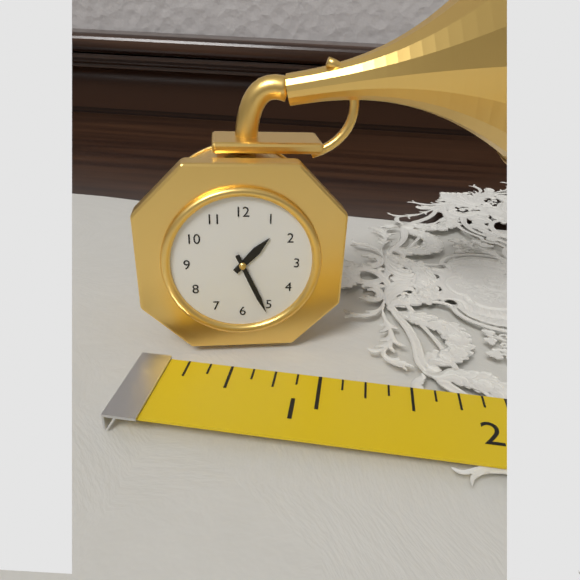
1:26
